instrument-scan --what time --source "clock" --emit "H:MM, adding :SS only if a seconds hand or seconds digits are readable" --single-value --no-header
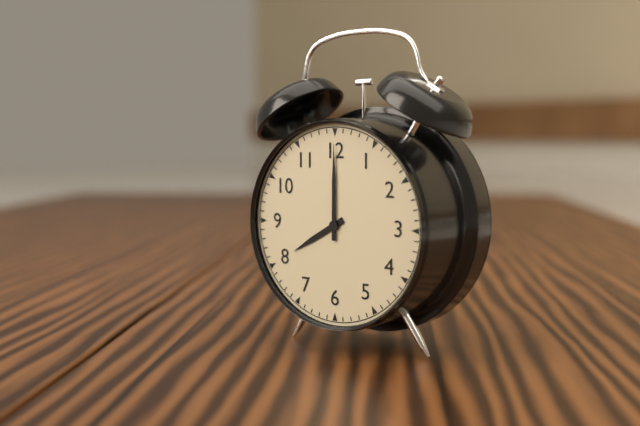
8:00
